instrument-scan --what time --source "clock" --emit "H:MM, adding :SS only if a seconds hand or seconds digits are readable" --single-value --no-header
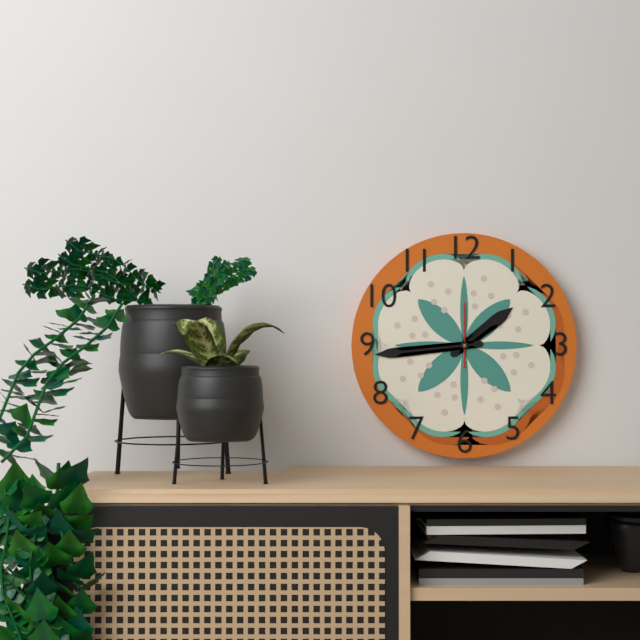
1:44:00
